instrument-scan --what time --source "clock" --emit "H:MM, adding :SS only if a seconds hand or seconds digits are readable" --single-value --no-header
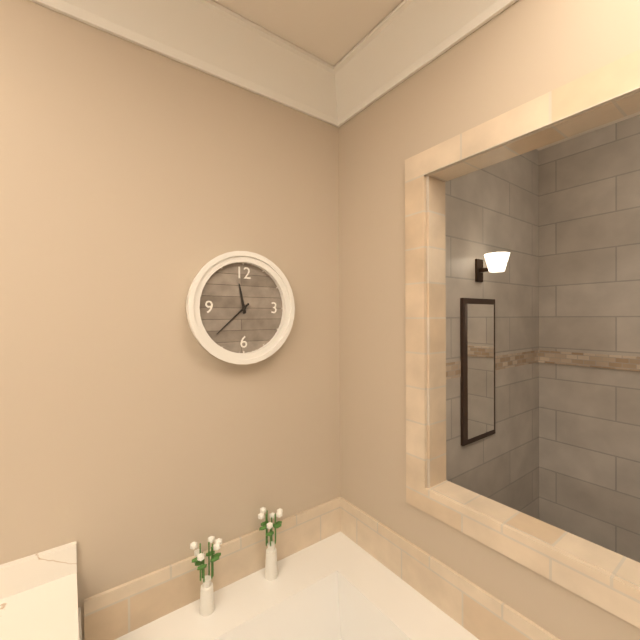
11:38
